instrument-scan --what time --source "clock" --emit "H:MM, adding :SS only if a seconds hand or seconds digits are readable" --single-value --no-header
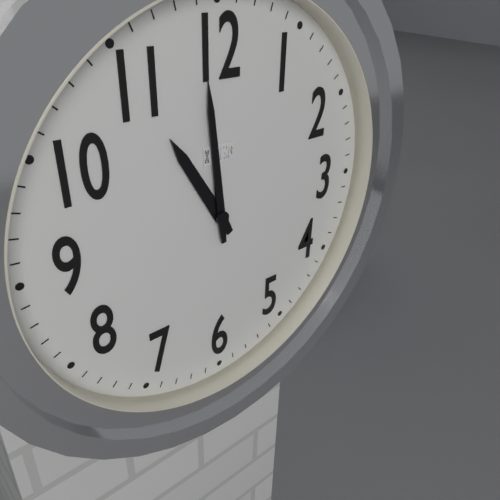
10:59
